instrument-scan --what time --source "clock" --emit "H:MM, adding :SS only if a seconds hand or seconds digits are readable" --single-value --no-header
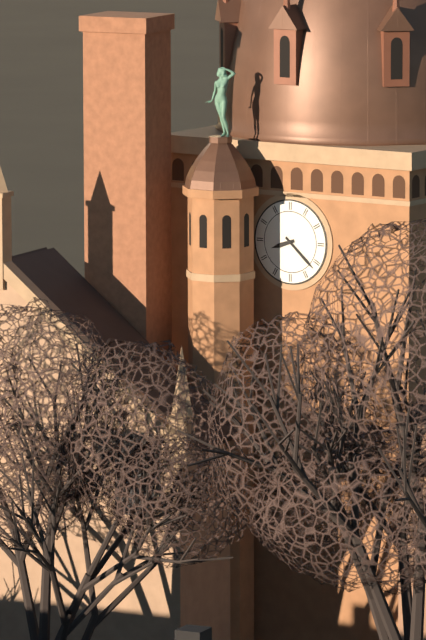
8:22
